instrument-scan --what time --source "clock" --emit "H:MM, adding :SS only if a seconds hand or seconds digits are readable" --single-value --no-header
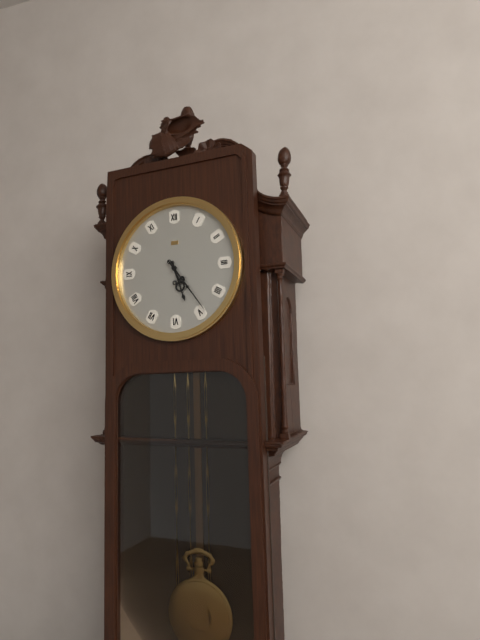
5:24
